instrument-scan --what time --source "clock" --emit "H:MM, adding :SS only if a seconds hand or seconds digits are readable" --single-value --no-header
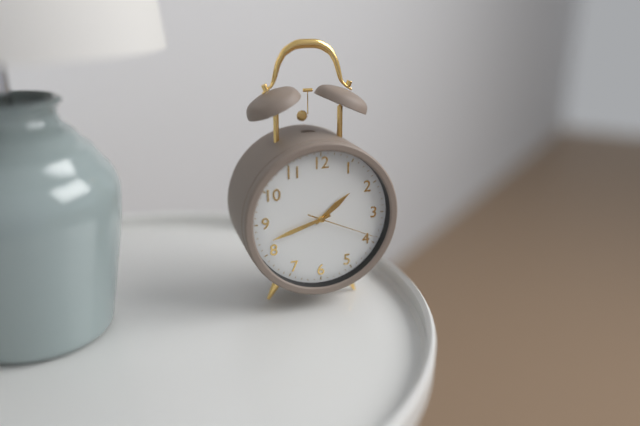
1:42:19
